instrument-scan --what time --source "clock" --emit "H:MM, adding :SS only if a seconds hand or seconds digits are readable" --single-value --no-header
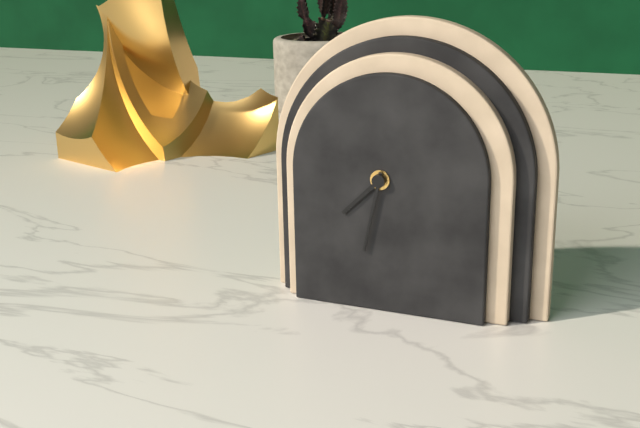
7:32
